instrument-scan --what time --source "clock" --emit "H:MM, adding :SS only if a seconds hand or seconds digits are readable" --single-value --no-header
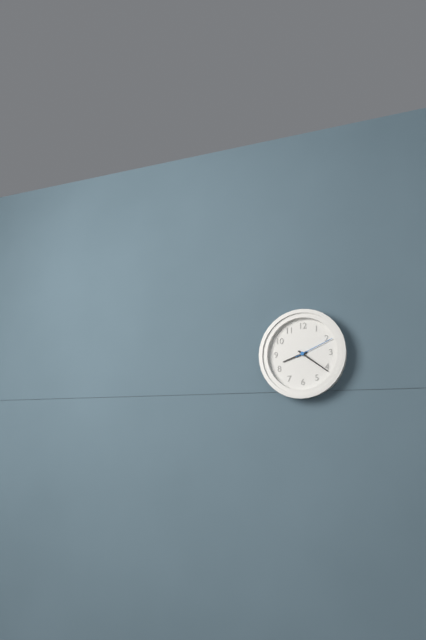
8:21
